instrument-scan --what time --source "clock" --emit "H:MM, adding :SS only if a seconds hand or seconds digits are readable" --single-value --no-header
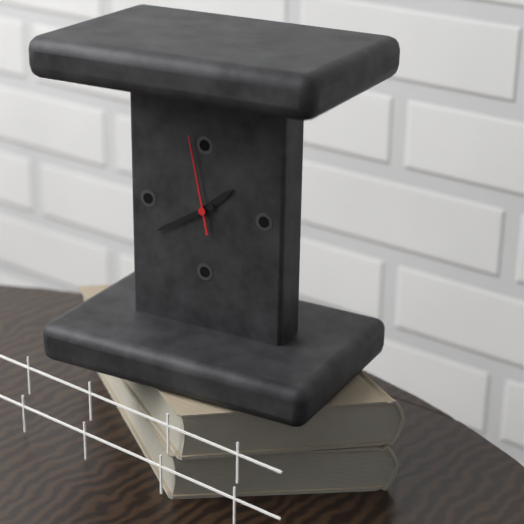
1:40:58
